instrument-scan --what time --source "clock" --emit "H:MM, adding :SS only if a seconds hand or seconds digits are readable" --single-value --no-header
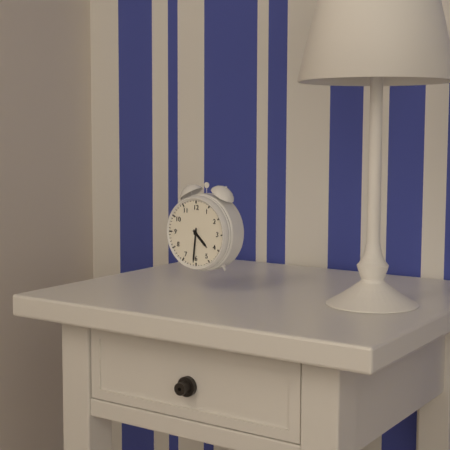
4:31
